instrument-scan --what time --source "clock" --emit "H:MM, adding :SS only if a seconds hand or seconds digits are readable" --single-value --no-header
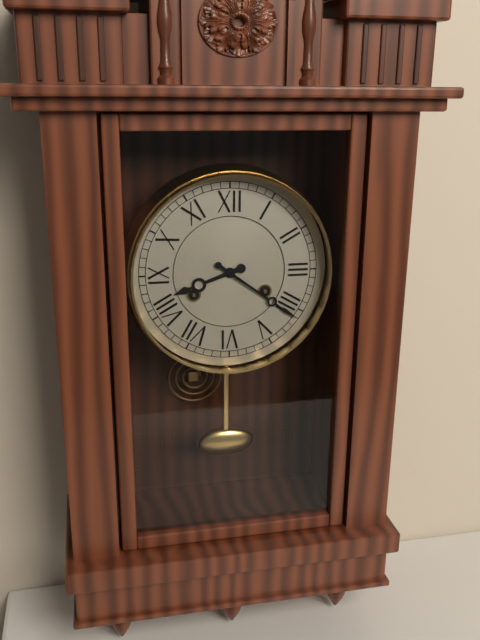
8:21
